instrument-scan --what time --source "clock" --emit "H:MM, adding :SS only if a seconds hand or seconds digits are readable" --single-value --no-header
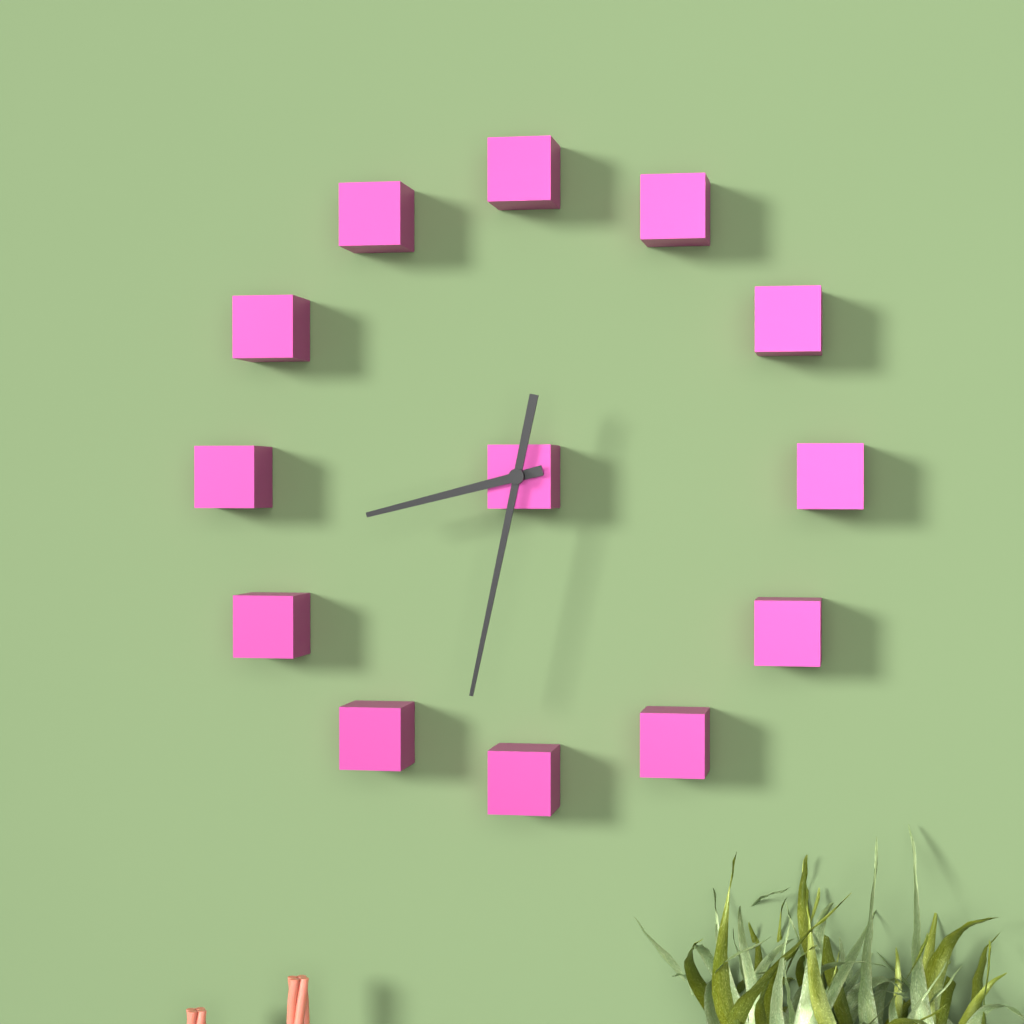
8:32
